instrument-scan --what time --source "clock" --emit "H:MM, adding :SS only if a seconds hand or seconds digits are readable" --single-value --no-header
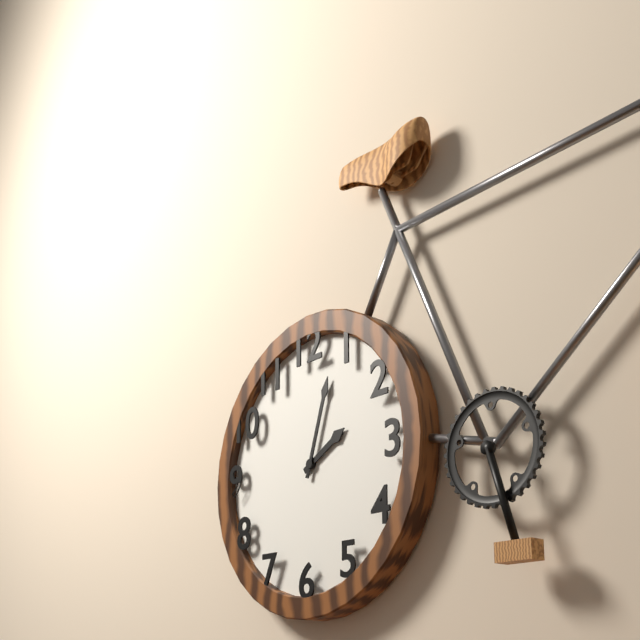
2:03
